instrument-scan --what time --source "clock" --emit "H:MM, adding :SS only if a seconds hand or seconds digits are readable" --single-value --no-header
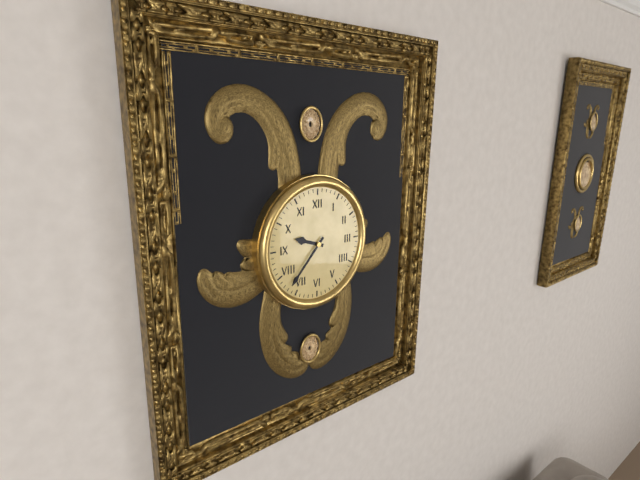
9:37
